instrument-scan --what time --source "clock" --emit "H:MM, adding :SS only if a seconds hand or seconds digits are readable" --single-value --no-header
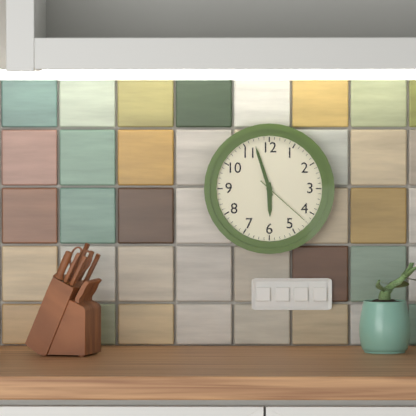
5:57:22
